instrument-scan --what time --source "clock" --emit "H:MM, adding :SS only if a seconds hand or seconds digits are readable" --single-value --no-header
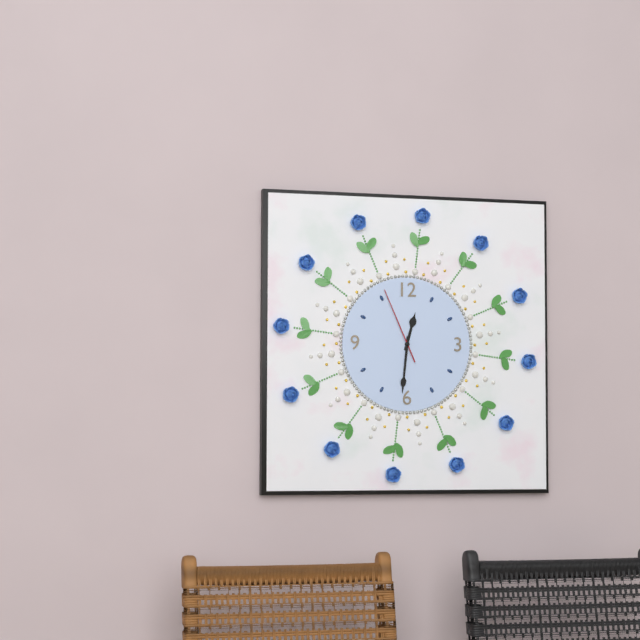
12:31:56
